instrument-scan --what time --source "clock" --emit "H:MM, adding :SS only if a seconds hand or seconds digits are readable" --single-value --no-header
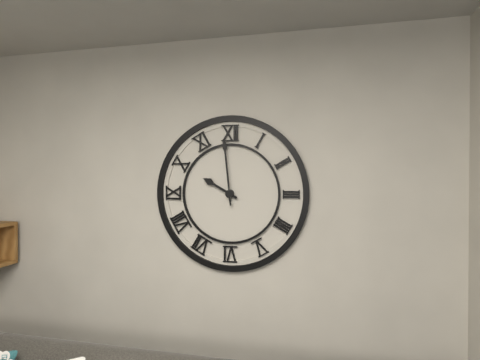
9:59
